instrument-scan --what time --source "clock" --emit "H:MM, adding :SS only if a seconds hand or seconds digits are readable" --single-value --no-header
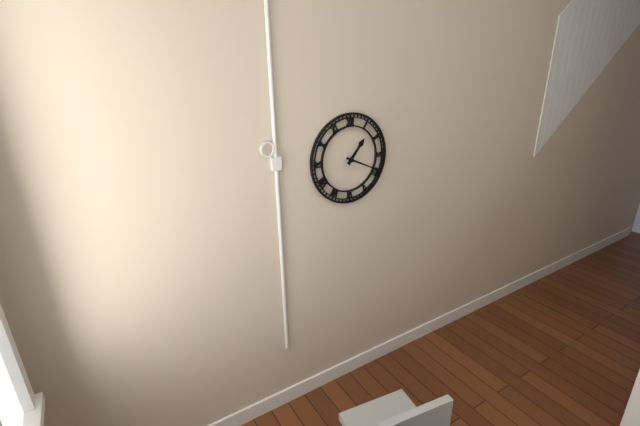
1:19
